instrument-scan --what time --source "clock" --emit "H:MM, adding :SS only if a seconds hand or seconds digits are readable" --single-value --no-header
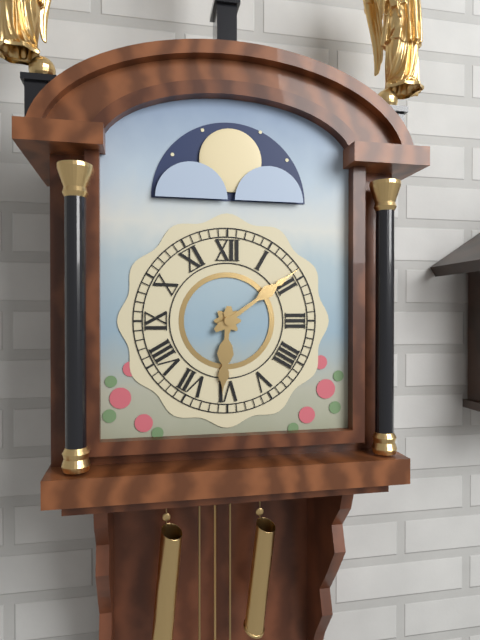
6:09
